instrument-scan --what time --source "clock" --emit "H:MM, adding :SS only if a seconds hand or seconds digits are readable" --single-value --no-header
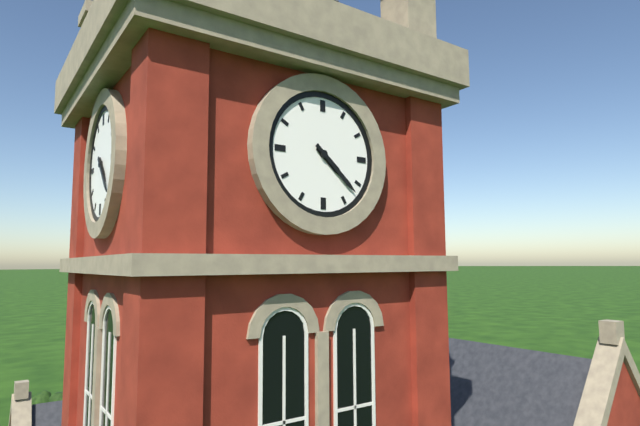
4:22
